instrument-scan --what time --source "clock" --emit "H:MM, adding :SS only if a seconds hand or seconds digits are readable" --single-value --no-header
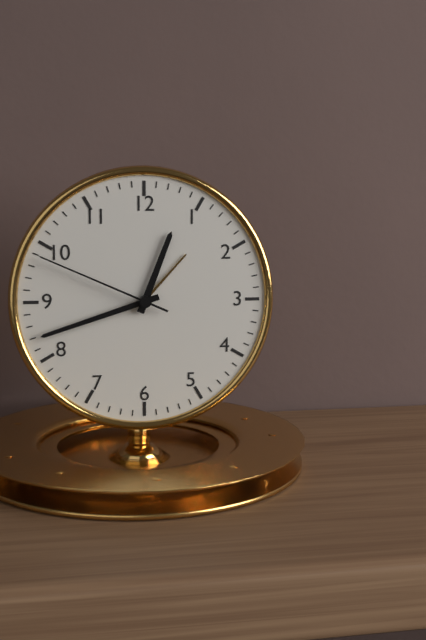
12:42:49
